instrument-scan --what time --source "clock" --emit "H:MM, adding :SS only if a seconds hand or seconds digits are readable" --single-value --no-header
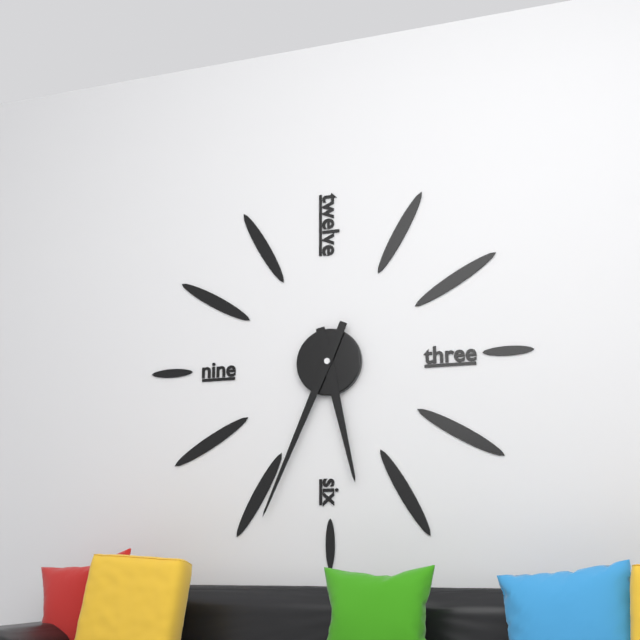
5:34
